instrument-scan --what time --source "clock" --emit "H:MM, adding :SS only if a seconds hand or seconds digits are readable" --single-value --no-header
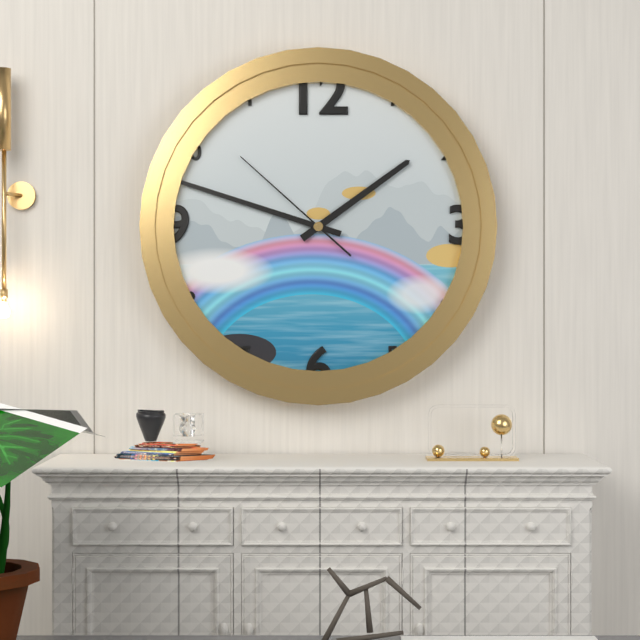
1:48:52
